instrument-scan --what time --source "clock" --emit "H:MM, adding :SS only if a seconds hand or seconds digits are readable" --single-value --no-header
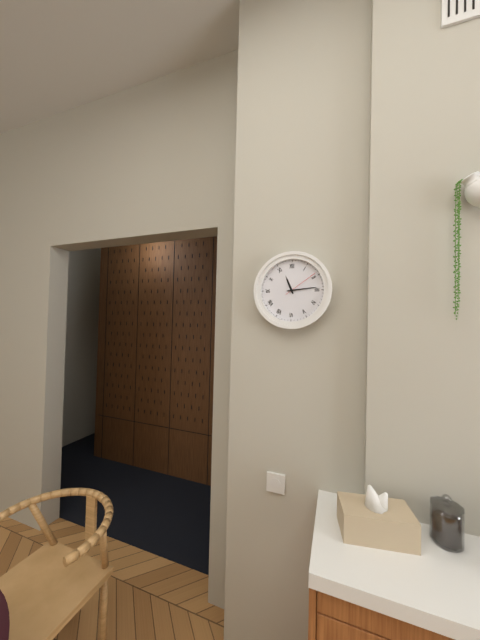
11:14
